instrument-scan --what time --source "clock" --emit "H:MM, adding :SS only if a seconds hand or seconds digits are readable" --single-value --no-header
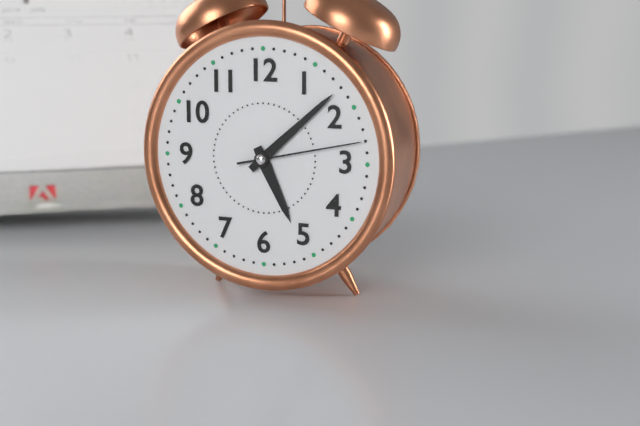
5:08:13
